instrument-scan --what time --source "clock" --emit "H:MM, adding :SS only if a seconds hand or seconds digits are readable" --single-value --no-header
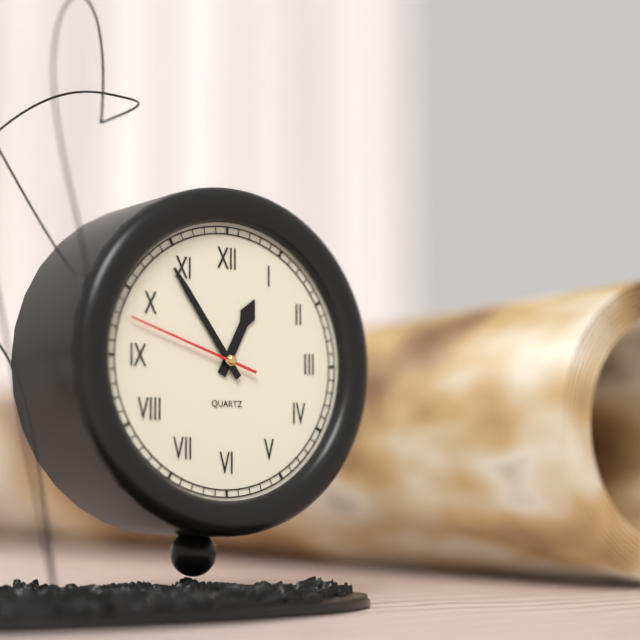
12:54:48
